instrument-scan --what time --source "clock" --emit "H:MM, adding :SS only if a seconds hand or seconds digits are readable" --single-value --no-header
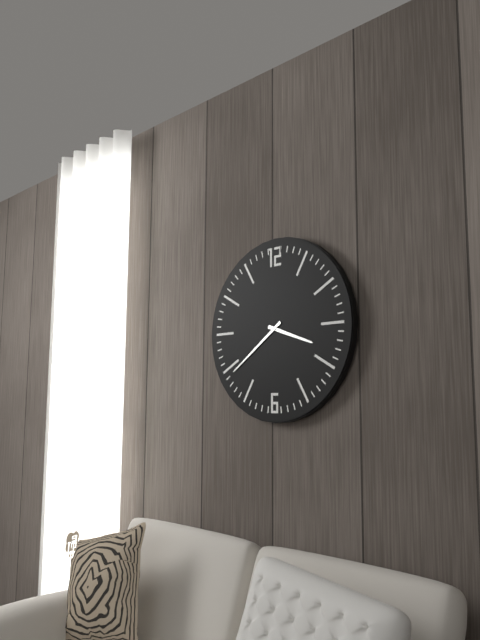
3:39
